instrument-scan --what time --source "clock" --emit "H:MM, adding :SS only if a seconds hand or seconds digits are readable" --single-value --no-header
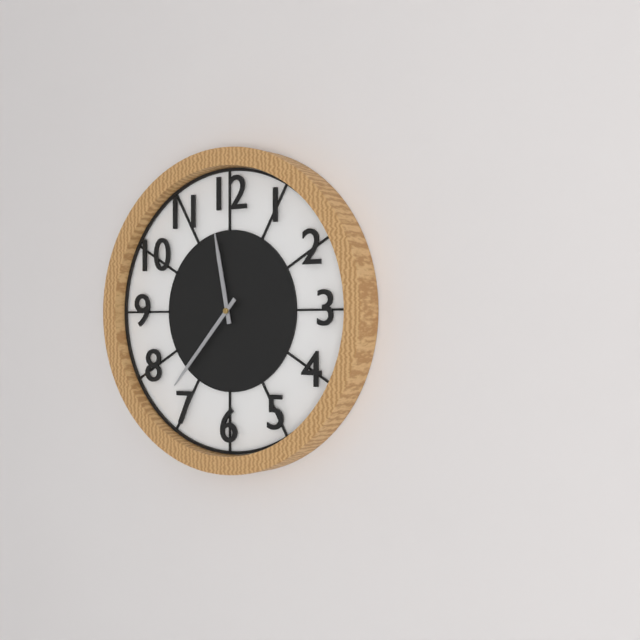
11:37
